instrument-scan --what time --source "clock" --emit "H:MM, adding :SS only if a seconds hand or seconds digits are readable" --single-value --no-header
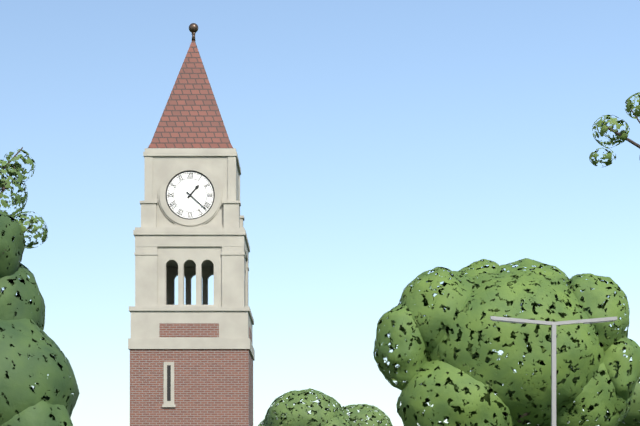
1:22
